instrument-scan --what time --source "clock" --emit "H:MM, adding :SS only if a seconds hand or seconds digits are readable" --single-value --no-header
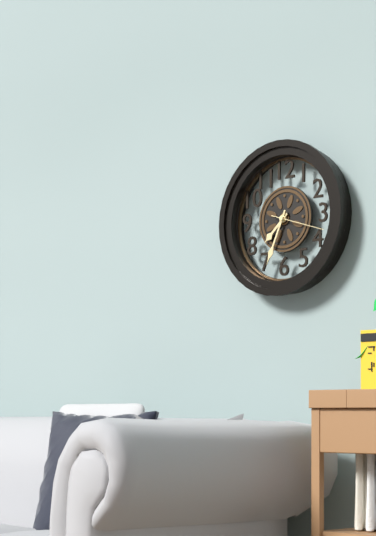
7:34
